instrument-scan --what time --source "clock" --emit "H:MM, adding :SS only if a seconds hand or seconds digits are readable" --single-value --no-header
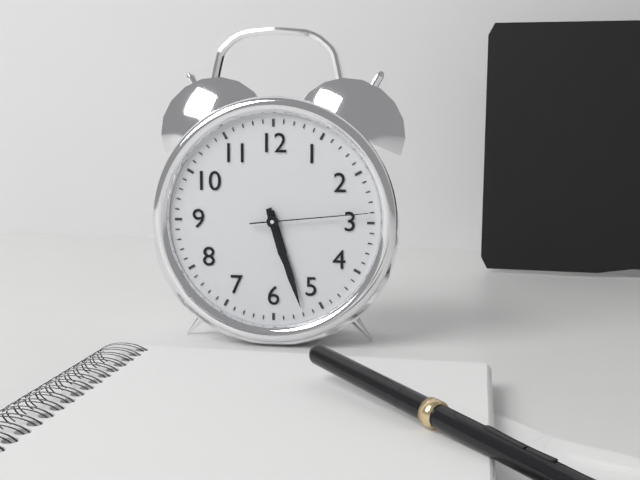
5:27:14
